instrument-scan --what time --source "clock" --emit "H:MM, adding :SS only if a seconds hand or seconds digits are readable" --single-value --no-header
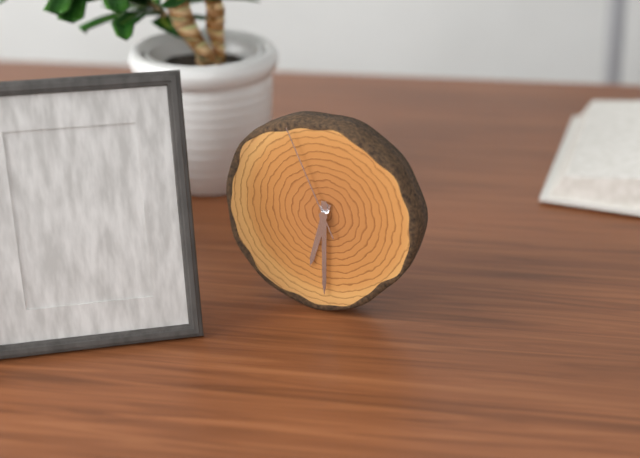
6:30:56
